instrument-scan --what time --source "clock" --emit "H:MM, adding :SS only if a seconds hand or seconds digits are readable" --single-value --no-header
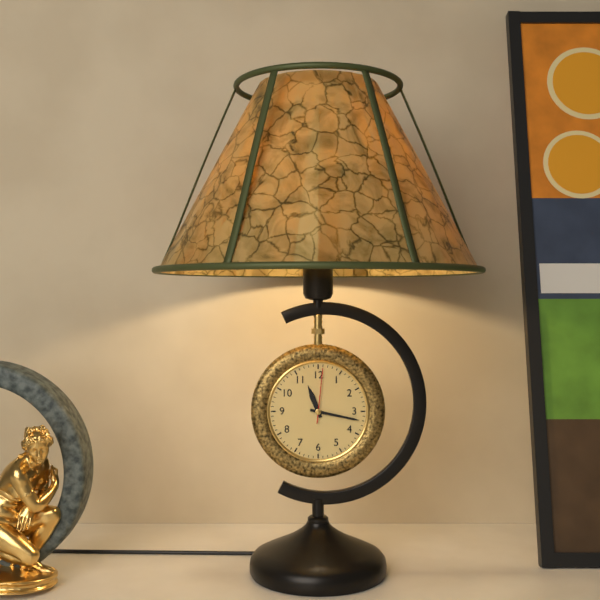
11:17:01
